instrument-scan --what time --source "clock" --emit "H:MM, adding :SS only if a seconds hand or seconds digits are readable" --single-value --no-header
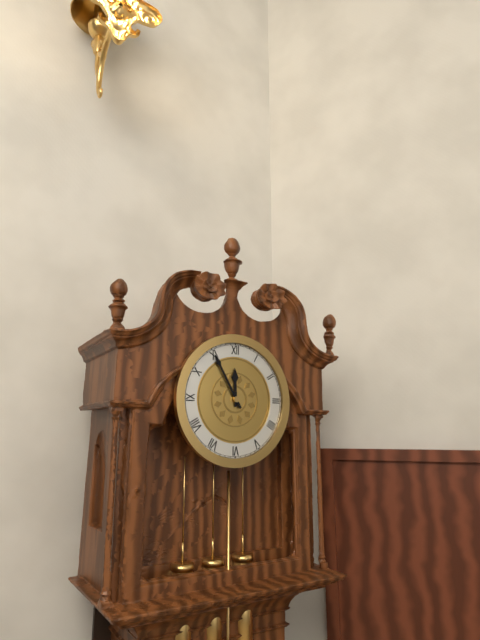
11:55
